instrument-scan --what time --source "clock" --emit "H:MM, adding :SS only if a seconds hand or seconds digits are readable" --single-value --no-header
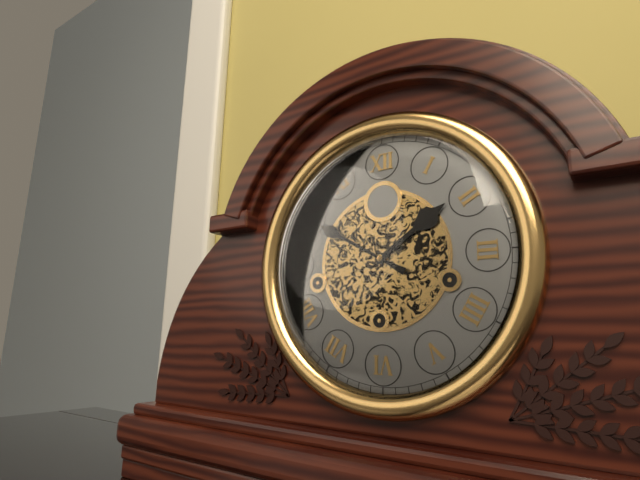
1:50
